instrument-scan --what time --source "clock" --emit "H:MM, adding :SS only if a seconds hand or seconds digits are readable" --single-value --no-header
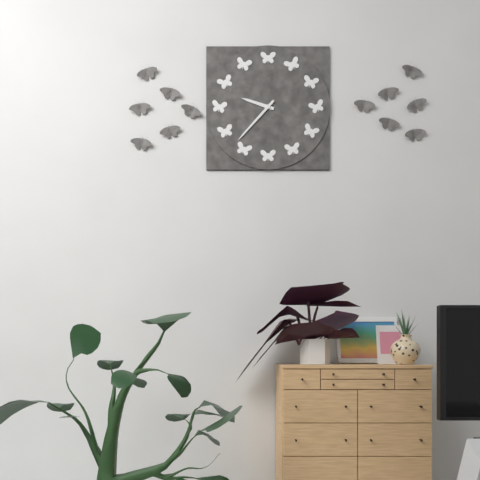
9:37
